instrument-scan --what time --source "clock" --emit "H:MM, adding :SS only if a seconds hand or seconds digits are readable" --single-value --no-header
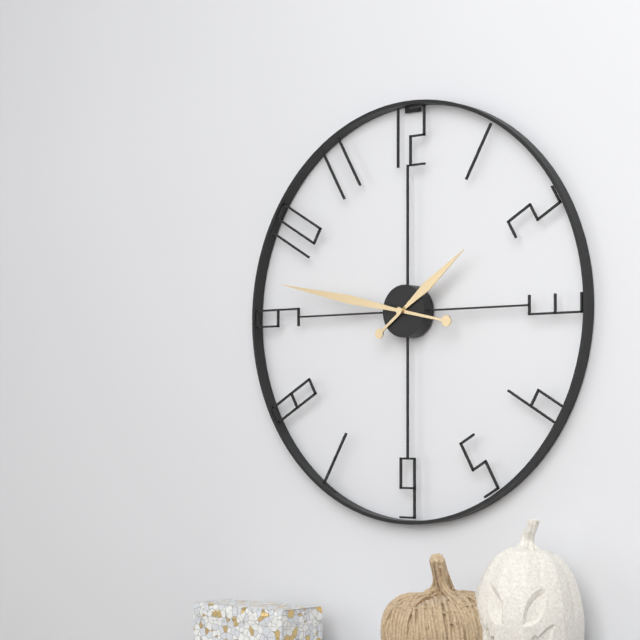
1:47
